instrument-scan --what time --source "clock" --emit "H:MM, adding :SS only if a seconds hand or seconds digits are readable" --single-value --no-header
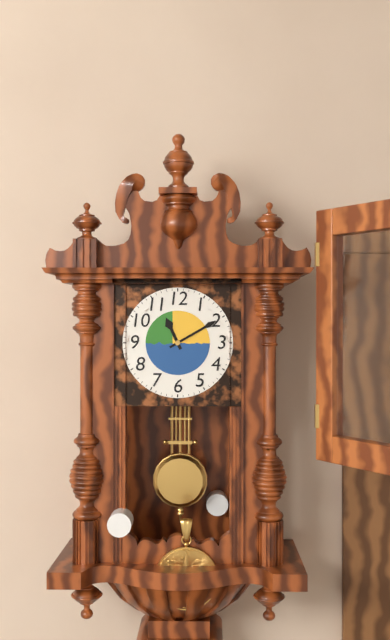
11:10
